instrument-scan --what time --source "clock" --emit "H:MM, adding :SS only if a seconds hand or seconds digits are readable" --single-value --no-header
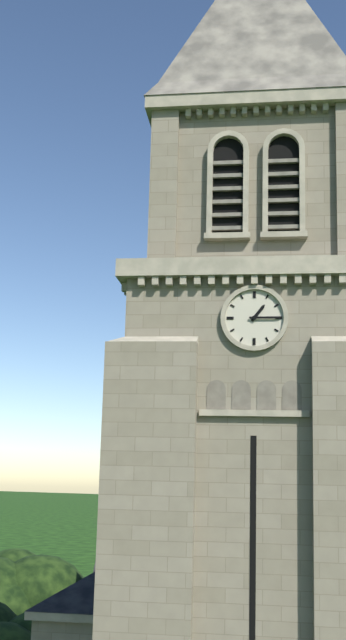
1:15
